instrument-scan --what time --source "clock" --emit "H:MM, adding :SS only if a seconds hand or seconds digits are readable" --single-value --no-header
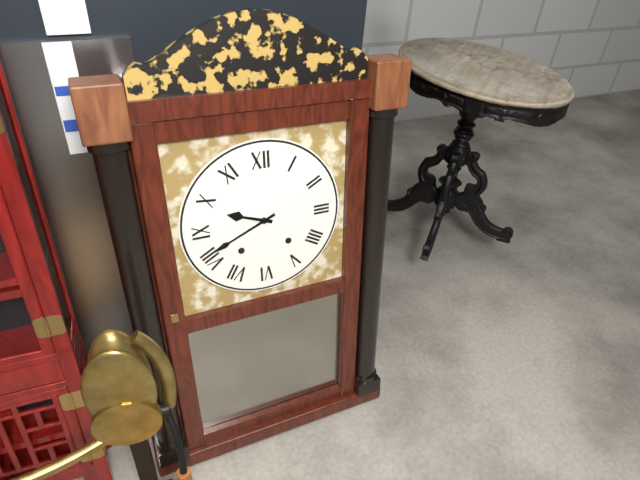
9:41
